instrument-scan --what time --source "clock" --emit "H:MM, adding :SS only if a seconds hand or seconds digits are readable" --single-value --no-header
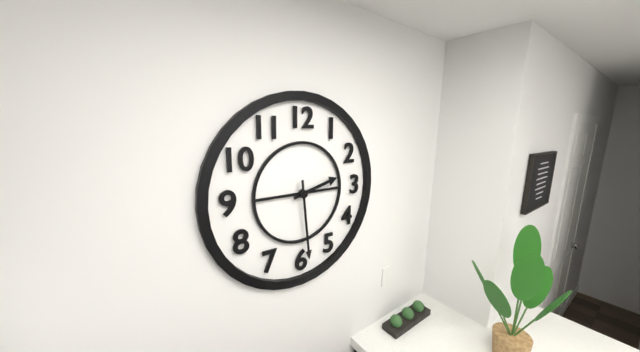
2:29
